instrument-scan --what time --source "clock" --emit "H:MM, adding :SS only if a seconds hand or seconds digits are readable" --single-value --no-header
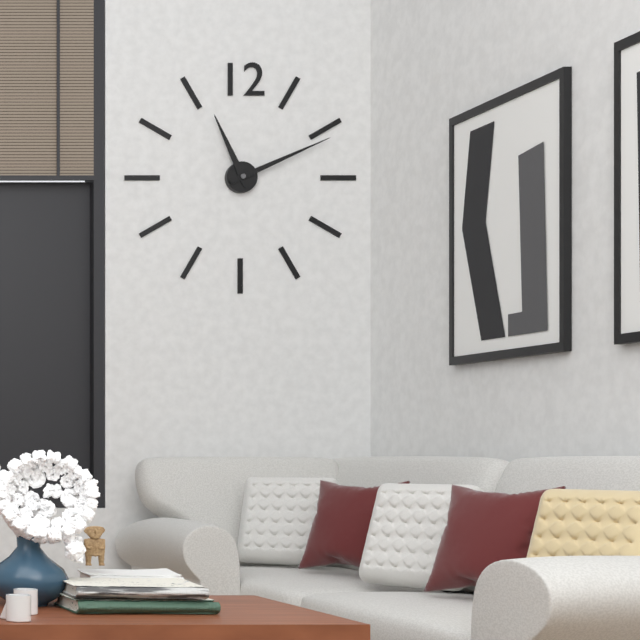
11:11
